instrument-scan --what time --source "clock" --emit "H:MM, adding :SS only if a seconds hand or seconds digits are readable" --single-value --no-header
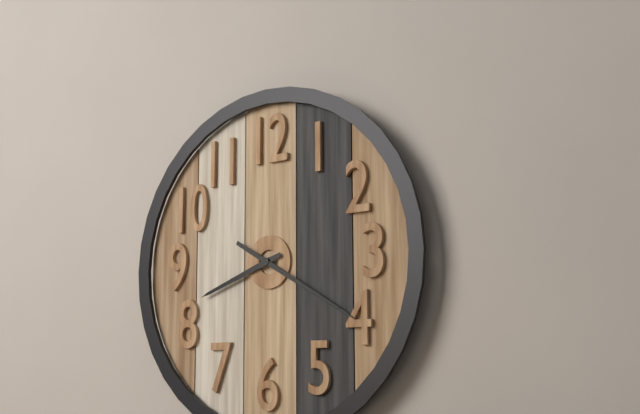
8:20
